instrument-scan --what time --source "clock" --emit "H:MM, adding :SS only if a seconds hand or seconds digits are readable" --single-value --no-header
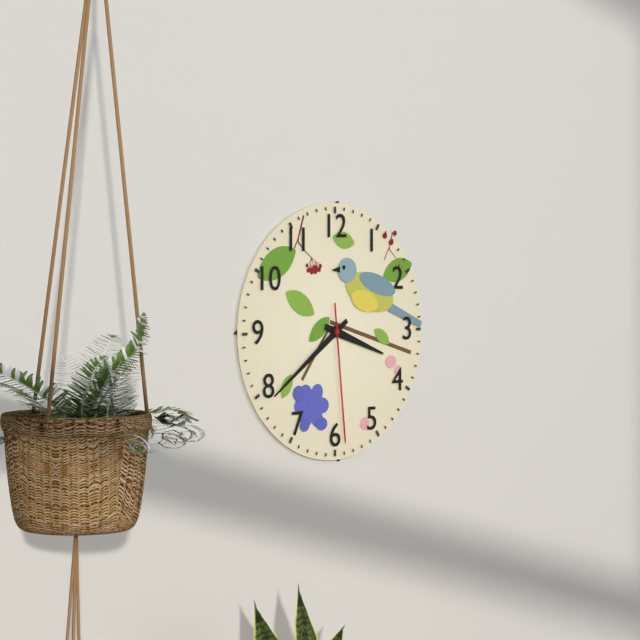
3:39:29
